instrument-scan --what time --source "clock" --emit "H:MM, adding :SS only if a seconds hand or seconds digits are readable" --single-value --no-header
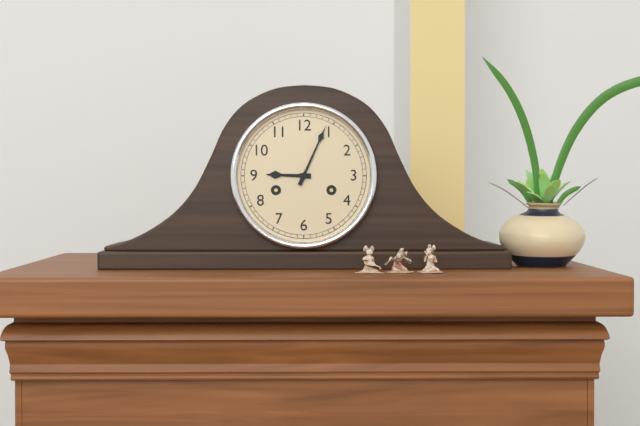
9:04
